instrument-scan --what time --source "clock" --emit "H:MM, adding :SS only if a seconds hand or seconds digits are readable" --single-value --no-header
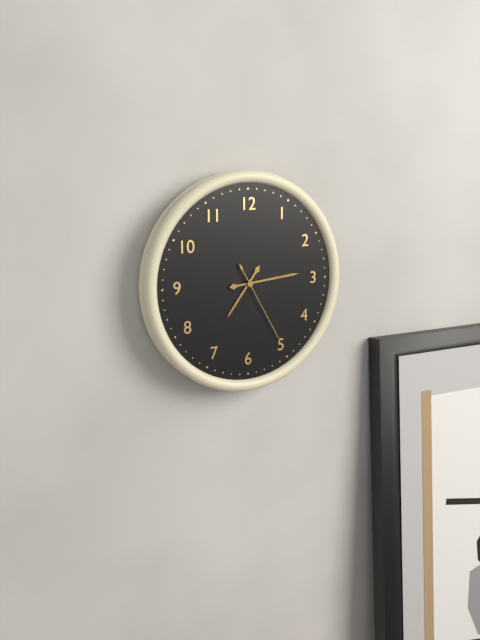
7:14:25
